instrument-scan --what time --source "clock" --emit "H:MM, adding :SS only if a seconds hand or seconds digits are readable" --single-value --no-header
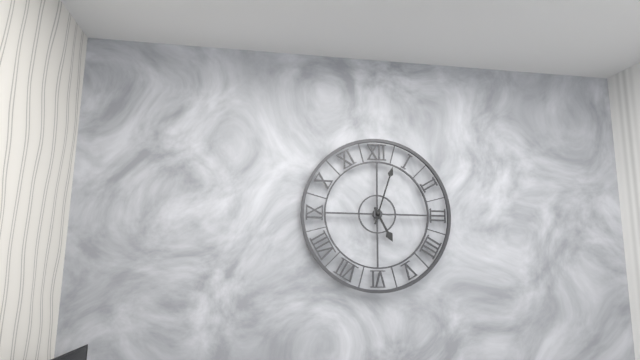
5:03
